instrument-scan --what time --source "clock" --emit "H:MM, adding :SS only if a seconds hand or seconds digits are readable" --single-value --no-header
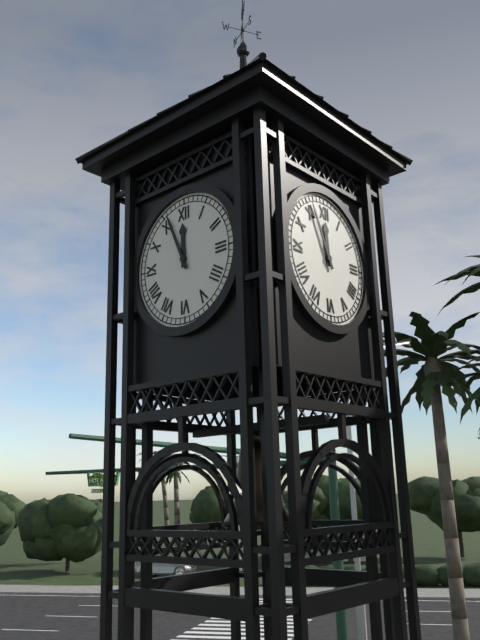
11:56
